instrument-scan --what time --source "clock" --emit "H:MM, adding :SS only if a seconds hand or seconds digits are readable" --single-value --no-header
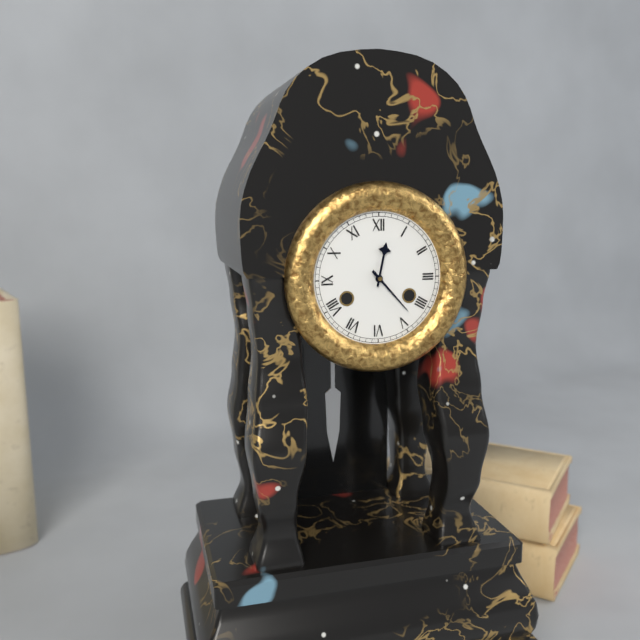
12:23
